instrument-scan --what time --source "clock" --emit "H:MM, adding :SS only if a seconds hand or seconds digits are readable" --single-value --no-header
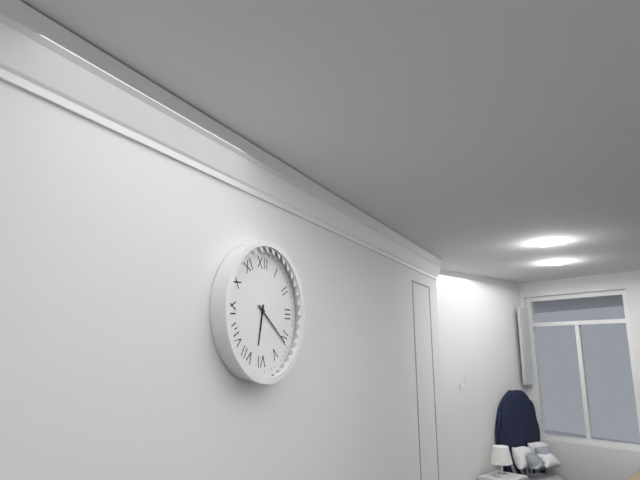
6:21
